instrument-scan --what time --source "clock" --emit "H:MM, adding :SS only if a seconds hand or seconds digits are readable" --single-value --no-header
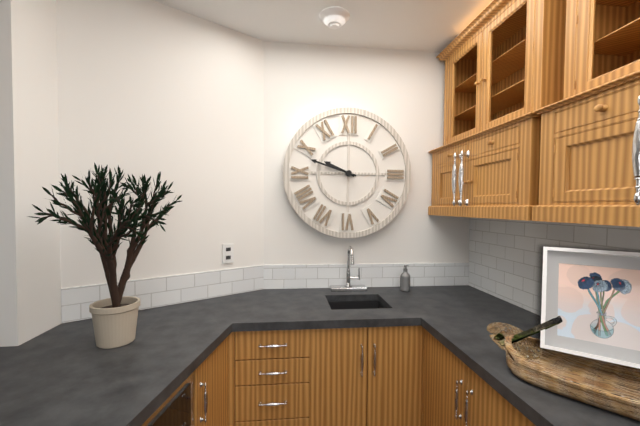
9:48
